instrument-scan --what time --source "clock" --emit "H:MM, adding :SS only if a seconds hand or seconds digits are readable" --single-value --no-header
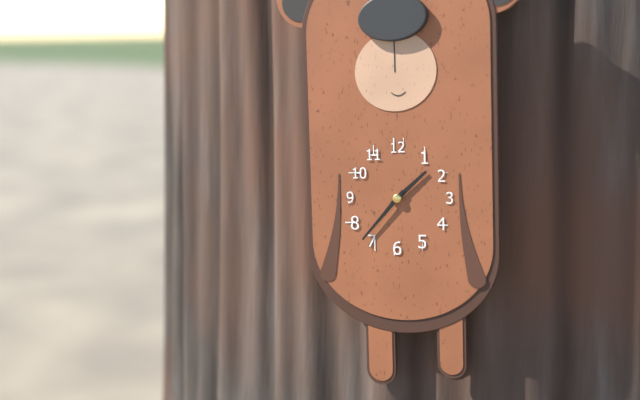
1:37
